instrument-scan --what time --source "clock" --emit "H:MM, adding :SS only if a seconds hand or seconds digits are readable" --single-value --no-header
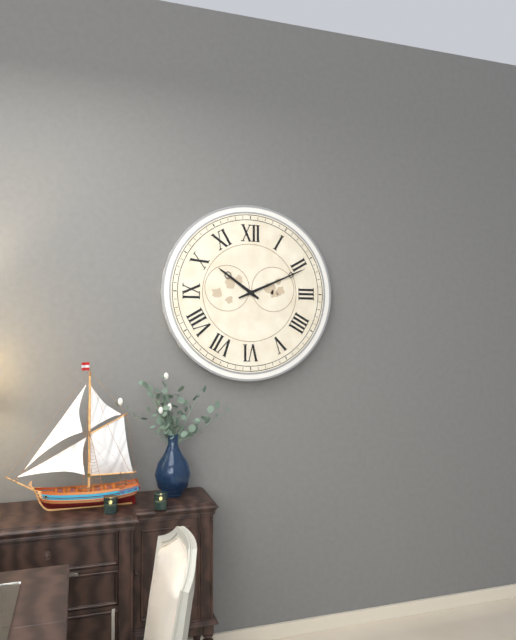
10:11
